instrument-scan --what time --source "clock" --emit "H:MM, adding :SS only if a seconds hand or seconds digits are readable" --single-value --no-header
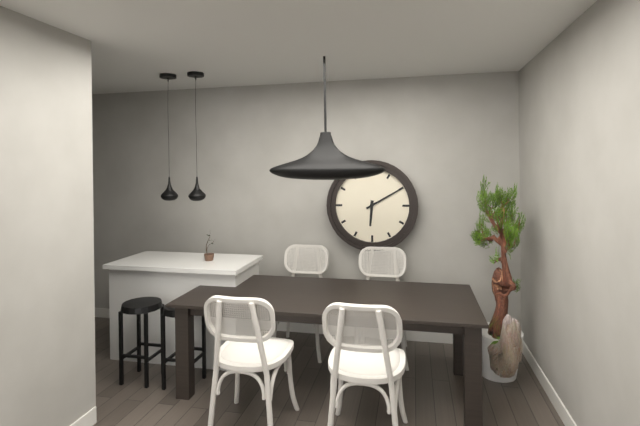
6:10
